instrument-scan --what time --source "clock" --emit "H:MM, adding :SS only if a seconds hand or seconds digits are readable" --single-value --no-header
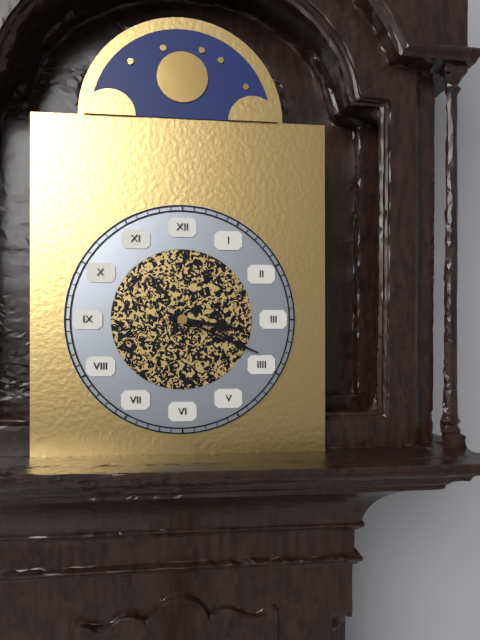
3:19
